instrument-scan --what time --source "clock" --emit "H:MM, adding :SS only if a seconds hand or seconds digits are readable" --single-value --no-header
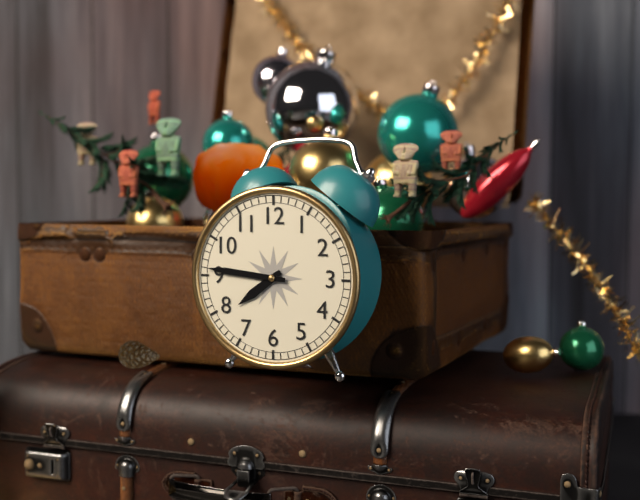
7:46
